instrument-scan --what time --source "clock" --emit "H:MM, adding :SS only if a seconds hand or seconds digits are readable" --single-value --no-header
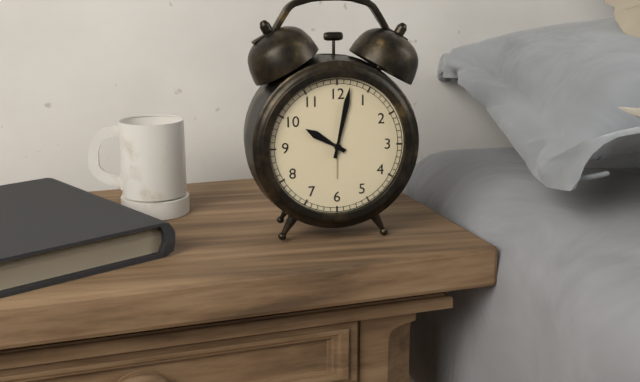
10:02
